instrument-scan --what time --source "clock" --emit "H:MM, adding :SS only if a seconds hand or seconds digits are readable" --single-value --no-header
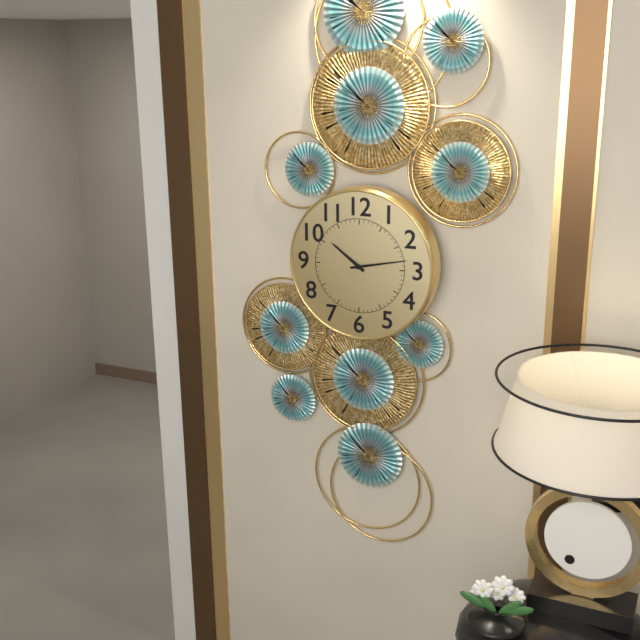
10:13
